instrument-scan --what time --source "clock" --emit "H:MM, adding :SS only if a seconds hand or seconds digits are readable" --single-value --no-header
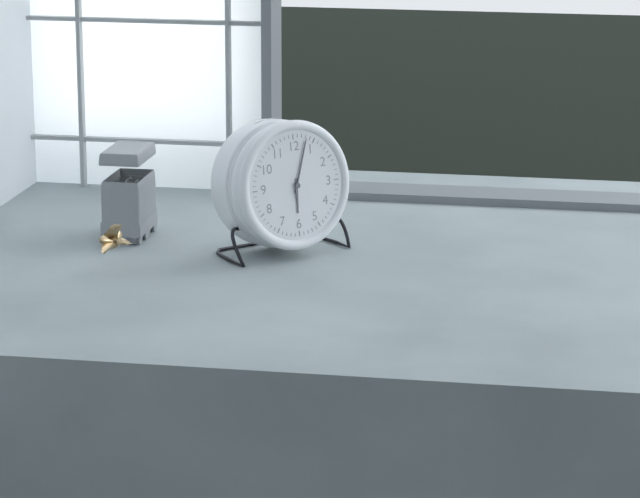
6:03:03
